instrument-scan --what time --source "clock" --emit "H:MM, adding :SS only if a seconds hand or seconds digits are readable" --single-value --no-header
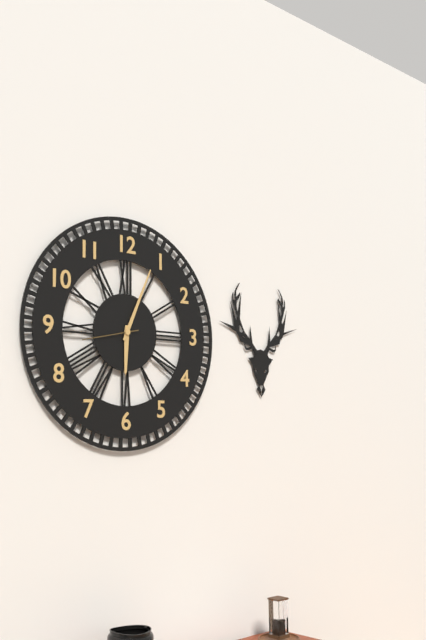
6:04:43
